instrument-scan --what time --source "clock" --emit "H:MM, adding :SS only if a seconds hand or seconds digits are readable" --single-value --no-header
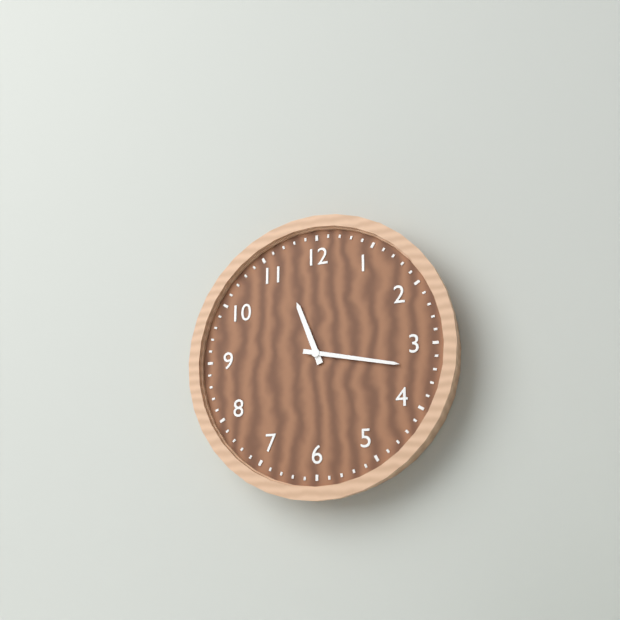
11:17
